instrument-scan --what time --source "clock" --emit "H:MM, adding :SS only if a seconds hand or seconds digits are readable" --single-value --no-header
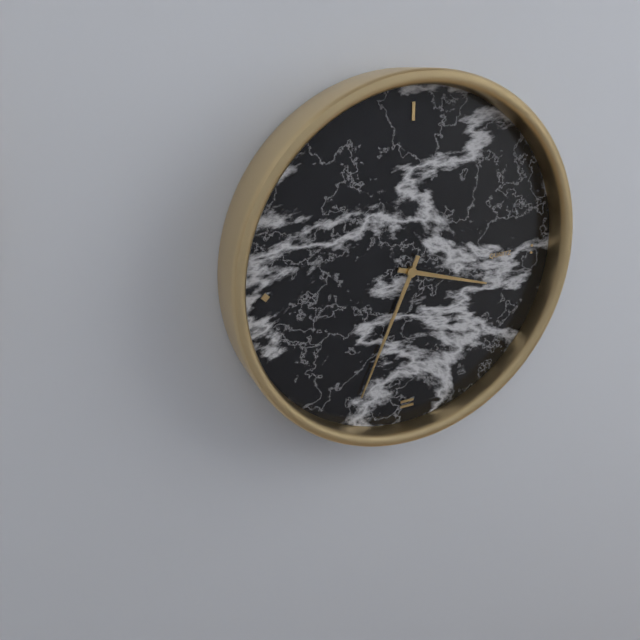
3:34
